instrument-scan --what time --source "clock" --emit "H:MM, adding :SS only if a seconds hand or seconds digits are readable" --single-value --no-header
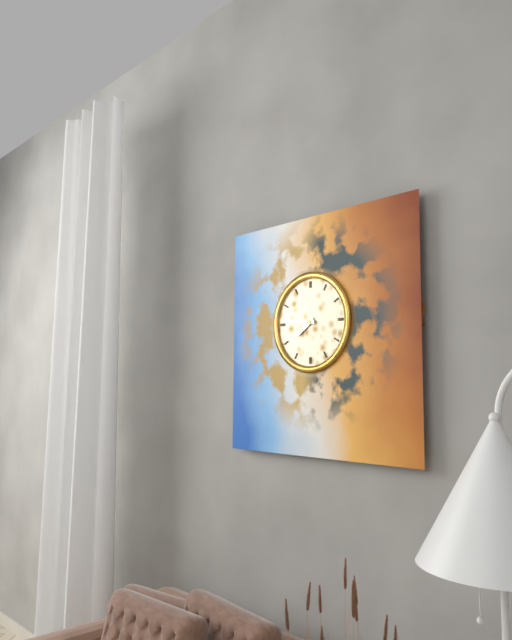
7:46
